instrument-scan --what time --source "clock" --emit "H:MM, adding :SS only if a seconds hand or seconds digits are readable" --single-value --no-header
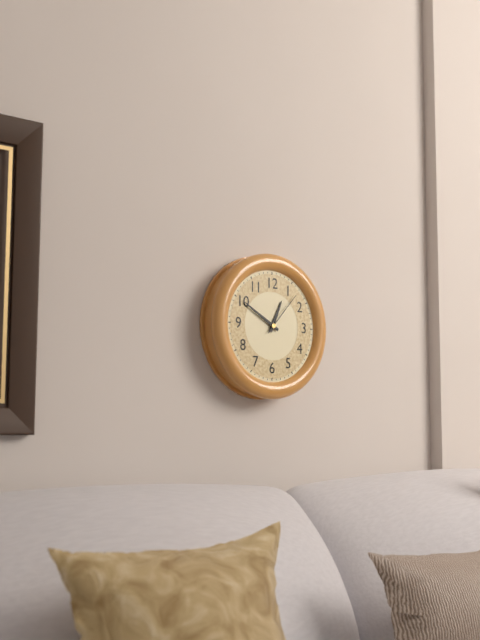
12:50
